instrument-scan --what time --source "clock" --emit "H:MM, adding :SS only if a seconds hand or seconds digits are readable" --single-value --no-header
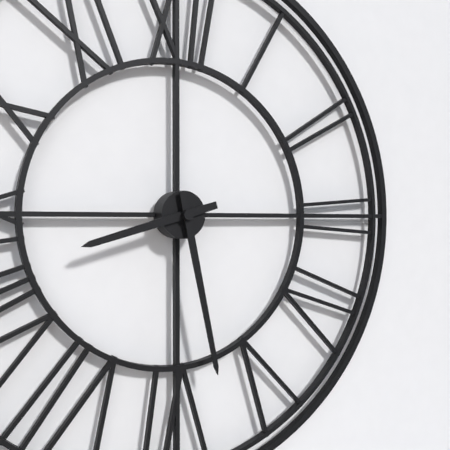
8:28
